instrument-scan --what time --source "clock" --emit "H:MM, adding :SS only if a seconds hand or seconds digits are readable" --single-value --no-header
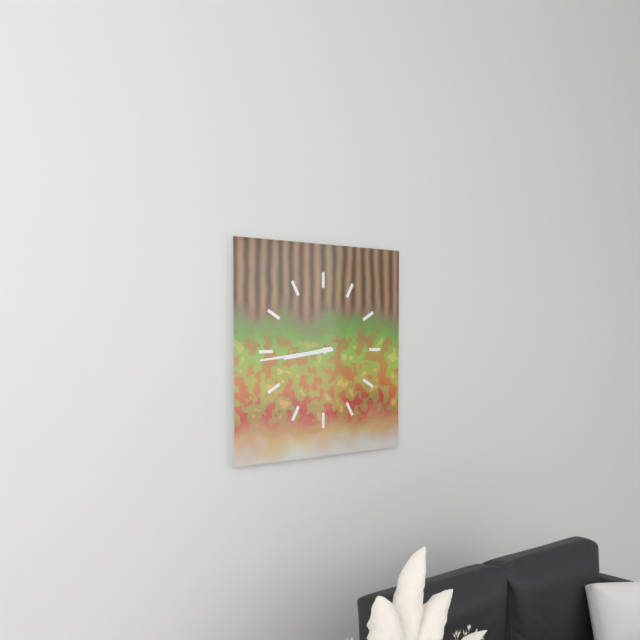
8:44
